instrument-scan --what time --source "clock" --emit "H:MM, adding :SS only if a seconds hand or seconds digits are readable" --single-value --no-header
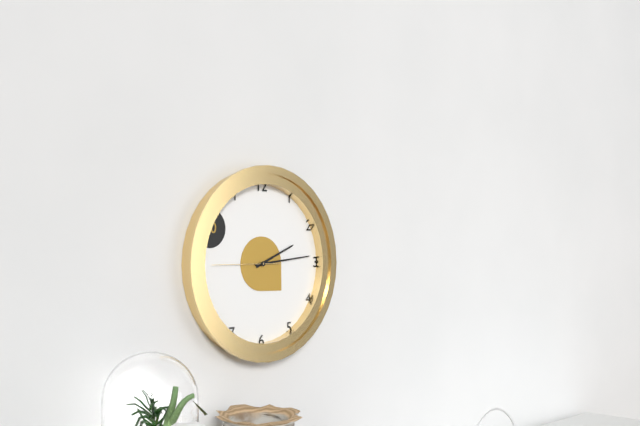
2:14:45
